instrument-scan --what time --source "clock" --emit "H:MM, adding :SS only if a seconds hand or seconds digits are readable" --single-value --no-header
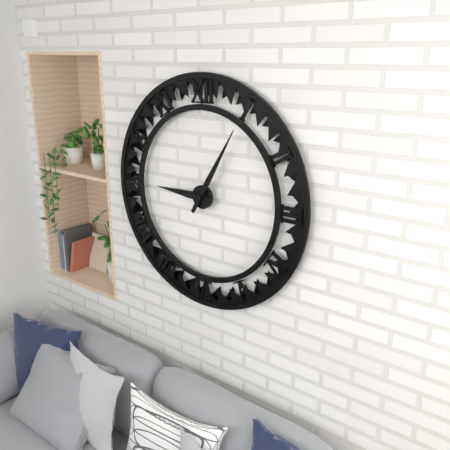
9:05
